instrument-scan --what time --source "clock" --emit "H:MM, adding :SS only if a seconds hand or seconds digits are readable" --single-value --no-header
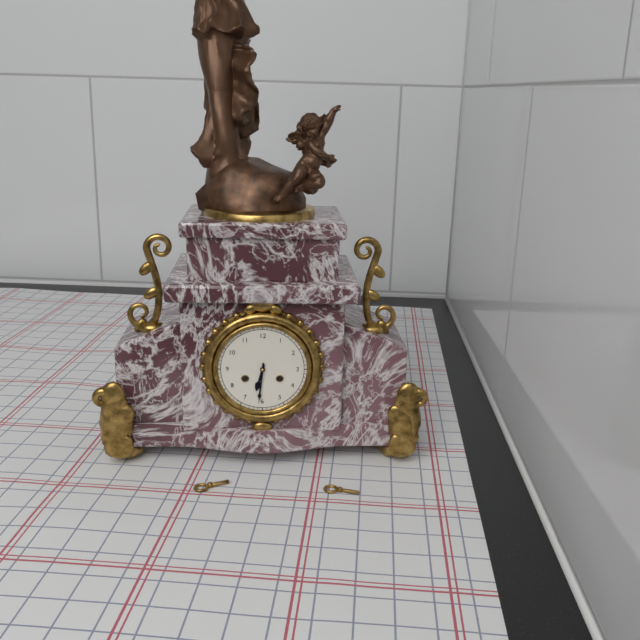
6:31
